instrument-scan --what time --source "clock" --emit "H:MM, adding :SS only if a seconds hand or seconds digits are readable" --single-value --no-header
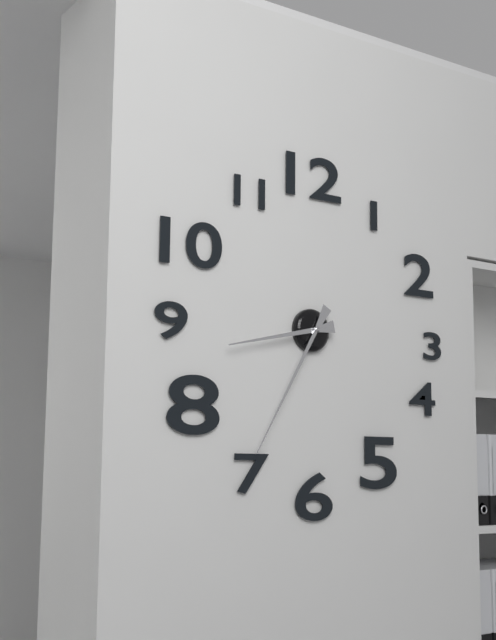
8:35
